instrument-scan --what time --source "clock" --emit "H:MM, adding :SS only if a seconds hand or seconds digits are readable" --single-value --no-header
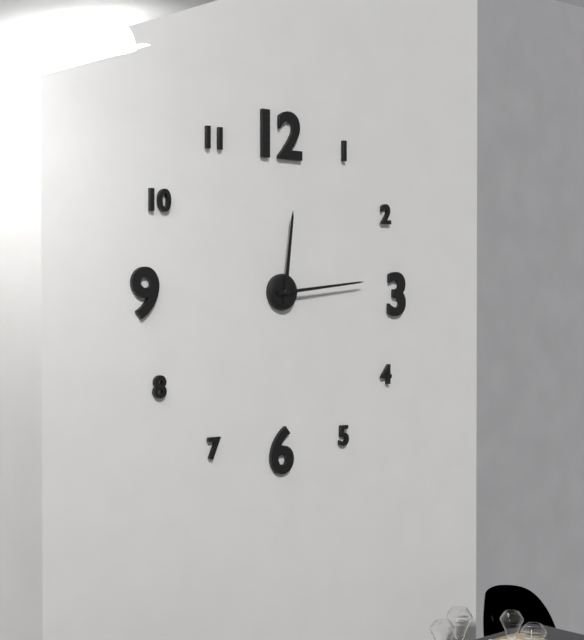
12:14
